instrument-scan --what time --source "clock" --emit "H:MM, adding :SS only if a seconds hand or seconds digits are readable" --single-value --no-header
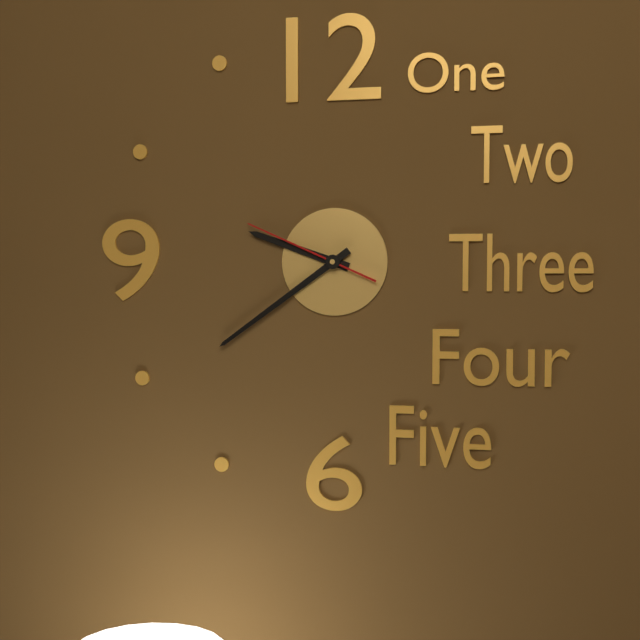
9:39:49
